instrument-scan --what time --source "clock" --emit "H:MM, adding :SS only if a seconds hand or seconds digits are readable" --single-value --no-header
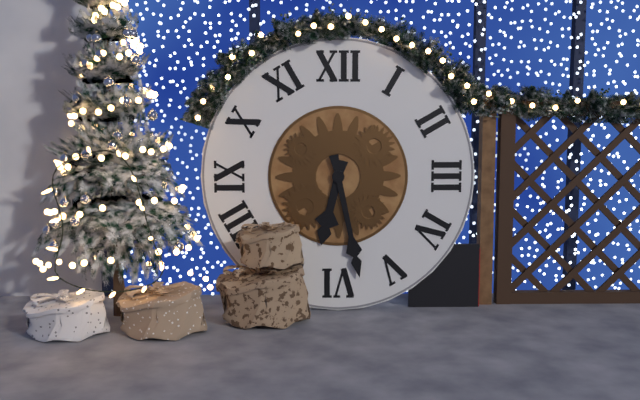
6:28
